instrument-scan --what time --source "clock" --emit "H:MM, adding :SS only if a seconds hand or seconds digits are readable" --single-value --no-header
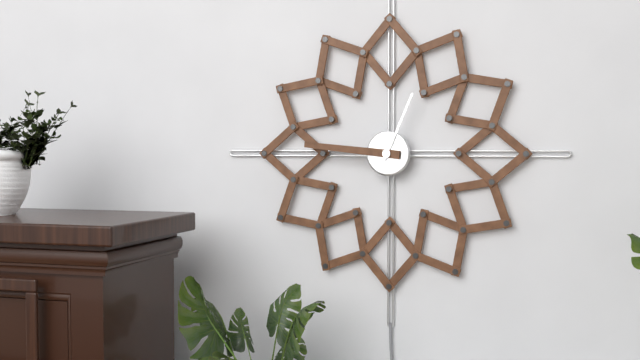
12:46
